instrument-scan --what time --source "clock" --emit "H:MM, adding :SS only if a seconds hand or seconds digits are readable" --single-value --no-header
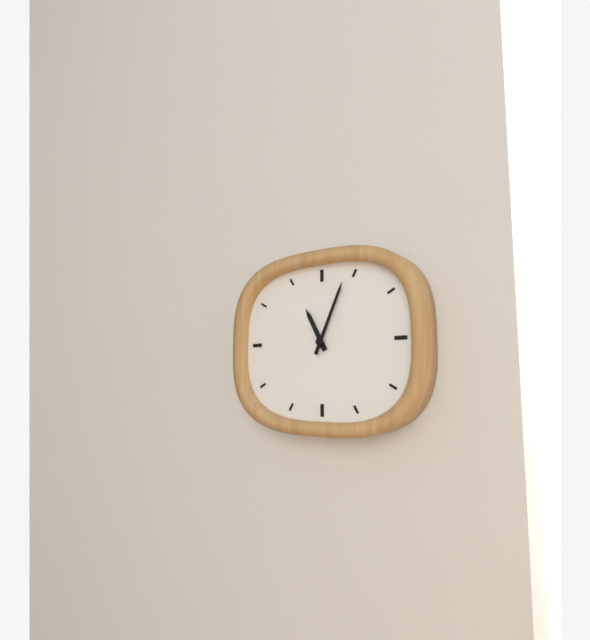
11:04
